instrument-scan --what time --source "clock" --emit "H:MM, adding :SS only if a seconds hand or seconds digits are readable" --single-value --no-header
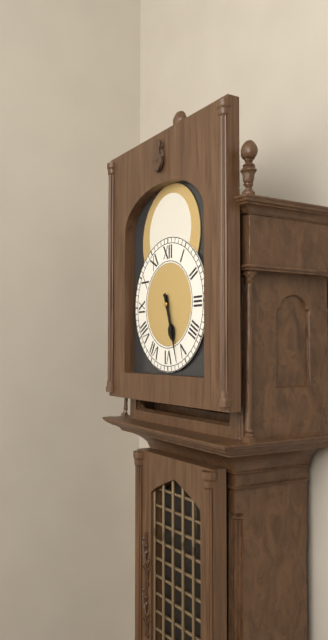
5:27
